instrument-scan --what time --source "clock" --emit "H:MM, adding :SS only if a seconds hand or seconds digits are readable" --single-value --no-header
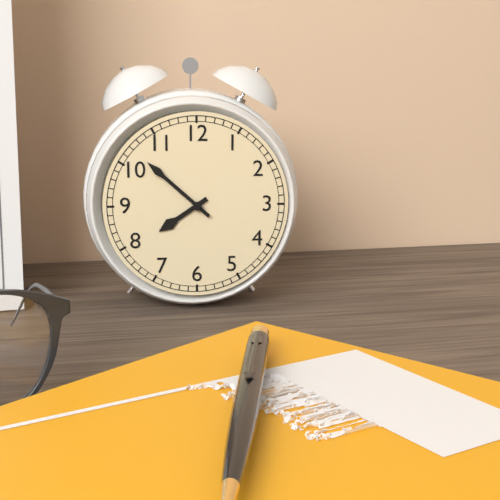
7:52
